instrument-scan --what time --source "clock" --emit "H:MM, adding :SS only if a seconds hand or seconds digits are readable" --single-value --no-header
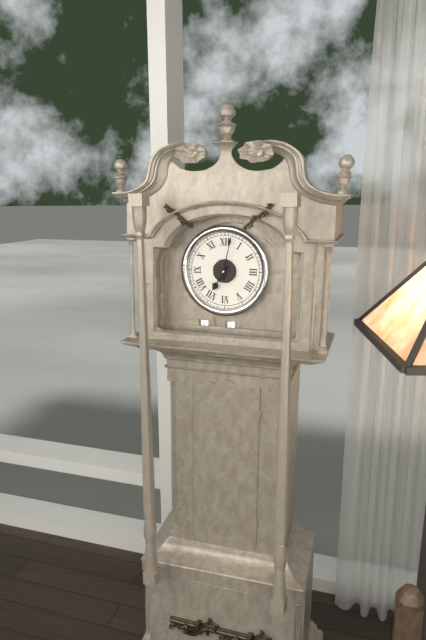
7:02
